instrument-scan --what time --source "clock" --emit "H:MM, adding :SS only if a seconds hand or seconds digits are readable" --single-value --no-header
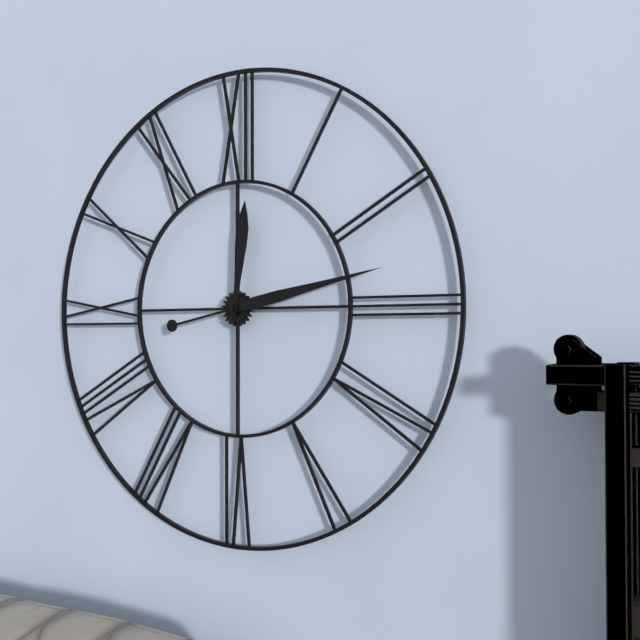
12:13
